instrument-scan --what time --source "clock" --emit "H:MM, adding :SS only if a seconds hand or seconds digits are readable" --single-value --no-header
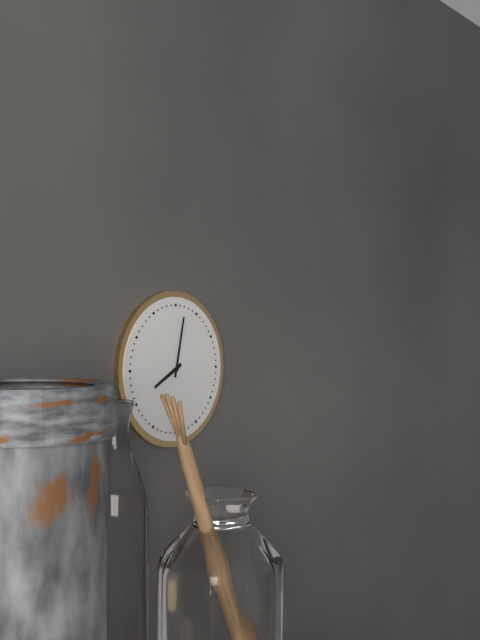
8:02
